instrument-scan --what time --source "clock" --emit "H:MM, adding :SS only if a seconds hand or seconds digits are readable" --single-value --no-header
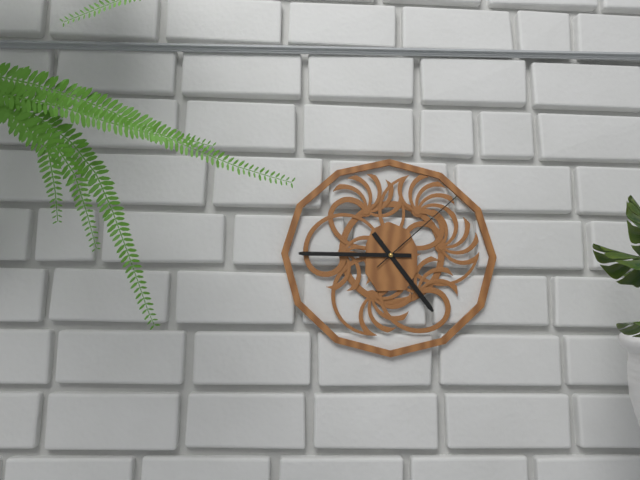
4:45:08
